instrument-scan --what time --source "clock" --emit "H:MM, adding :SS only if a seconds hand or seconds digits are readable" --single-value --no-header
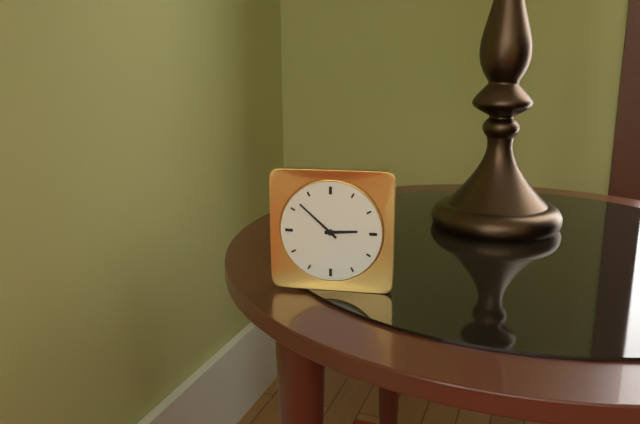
2:52
